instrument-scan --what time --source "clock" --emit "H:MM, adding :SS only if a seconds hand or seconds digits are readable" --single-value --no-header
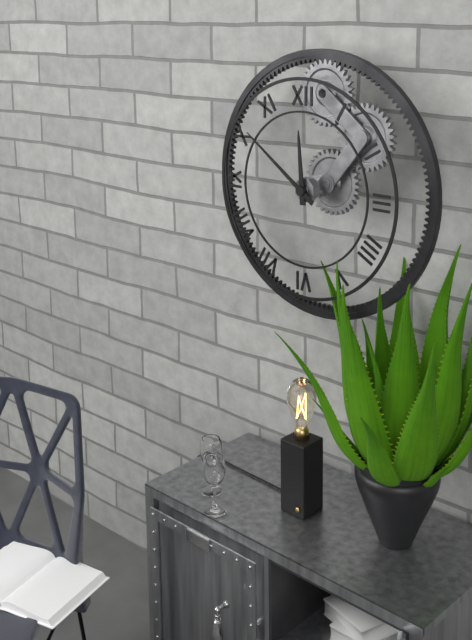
11:51
